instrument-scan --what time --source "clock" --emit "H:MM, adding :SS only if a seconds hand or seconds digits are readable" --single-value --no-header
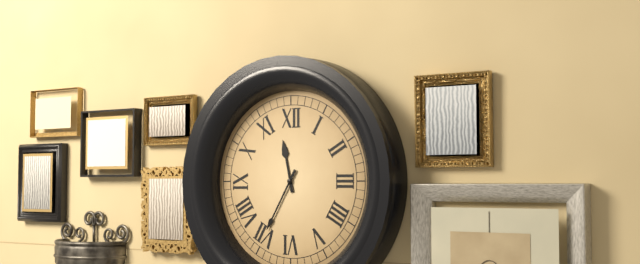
11:35
